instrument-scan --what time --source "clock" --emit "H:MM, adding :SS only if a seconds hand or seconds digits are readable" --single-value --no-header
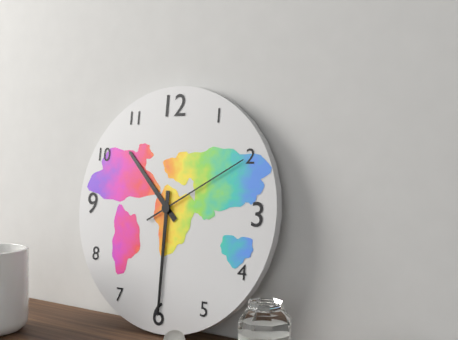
10:30:10
